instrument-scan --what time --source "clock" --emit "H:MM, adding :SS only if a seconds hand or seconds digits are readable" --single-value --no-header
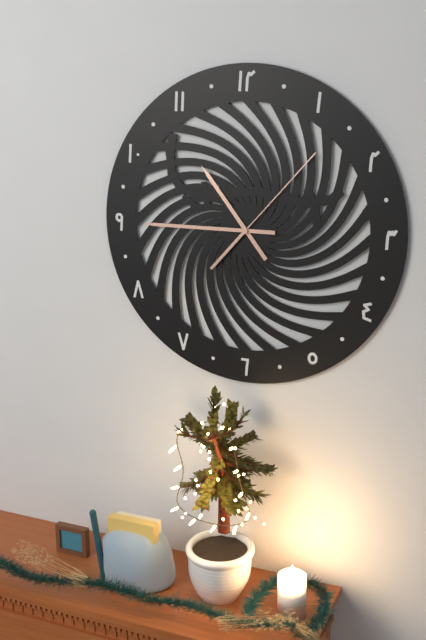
10:45:07
